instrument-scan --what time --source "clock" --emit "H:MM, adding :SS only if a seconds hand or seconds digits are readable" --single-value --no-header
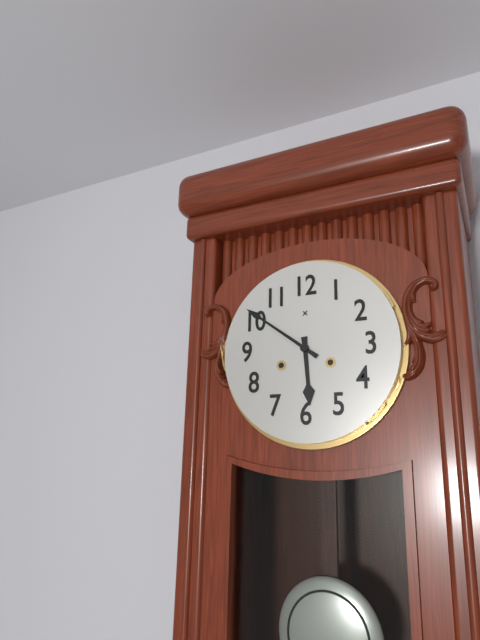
5:51
